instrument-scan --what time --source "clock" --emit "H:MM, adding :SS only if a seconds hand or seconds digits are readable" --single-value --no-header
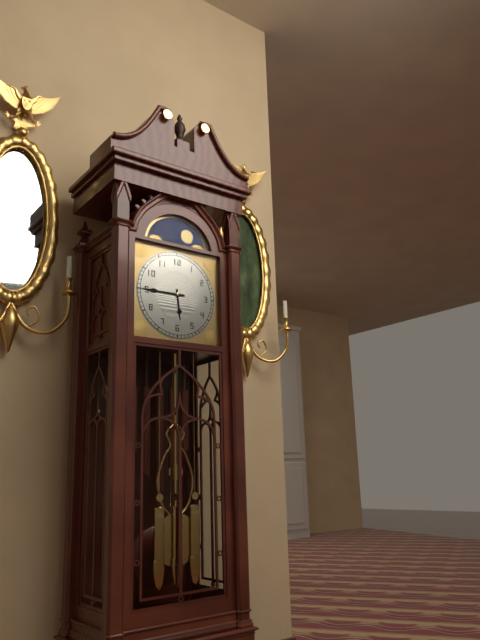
5:45
